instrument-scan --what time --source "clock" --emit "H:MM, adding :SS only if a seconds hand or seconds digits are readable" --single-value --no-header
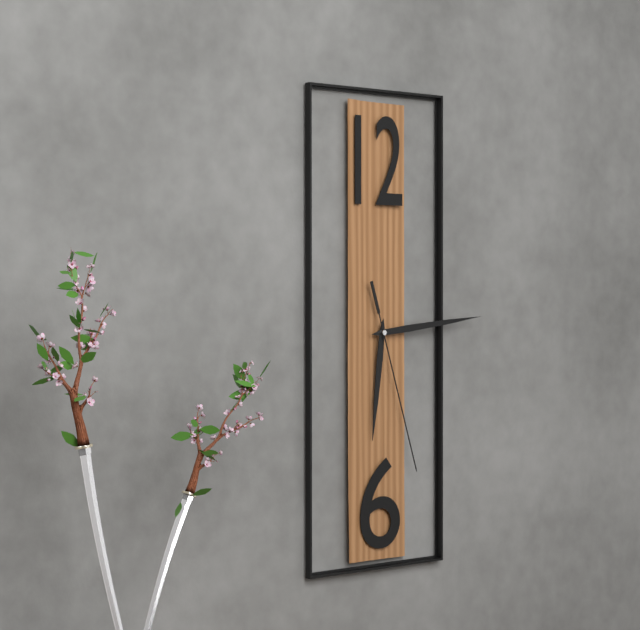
6:14:27
